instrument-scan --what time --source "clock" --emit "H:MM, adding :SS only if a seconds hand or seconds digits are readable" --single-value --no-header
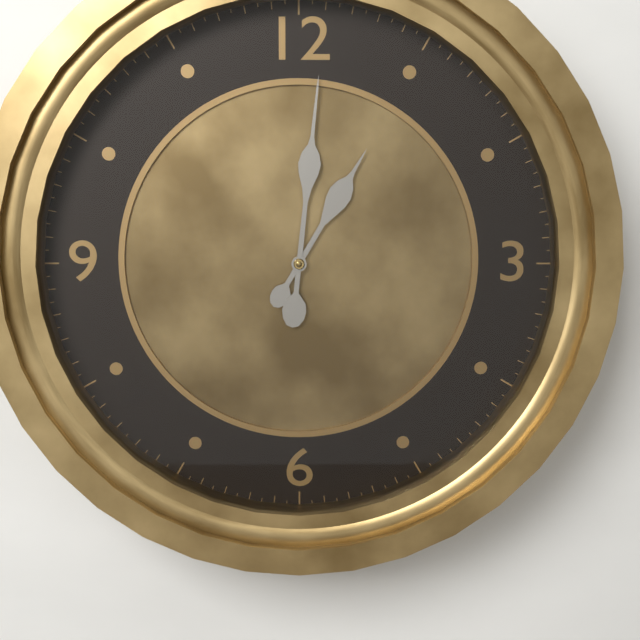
1:01
